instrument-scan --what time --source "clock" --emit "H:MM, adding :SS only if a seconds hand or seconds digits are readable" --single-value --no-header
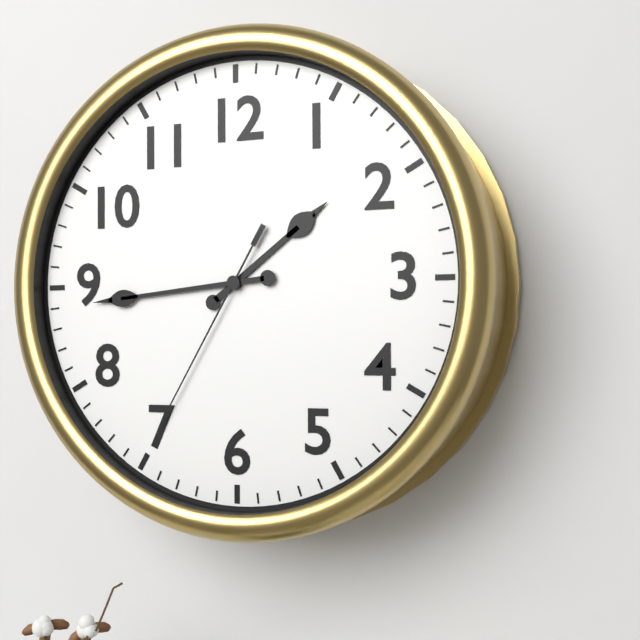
1:44:35
